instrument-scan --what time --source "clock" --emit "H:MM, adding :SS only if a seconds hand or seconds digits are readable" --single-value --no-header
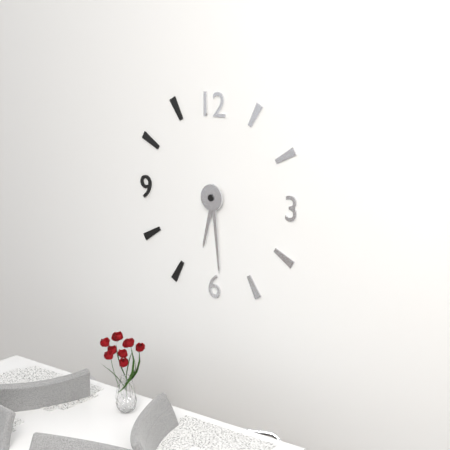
6:29
